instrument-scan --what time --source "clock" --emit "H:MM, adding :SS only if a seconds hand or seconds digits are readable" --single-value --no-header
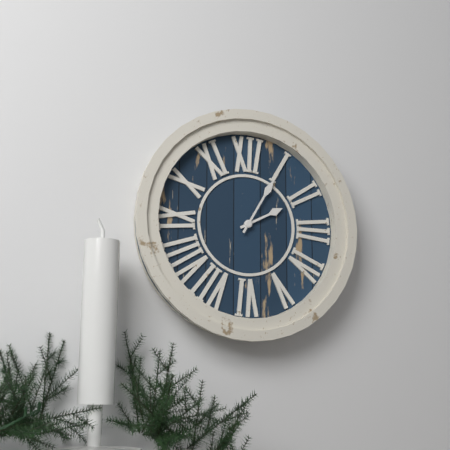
2:05
